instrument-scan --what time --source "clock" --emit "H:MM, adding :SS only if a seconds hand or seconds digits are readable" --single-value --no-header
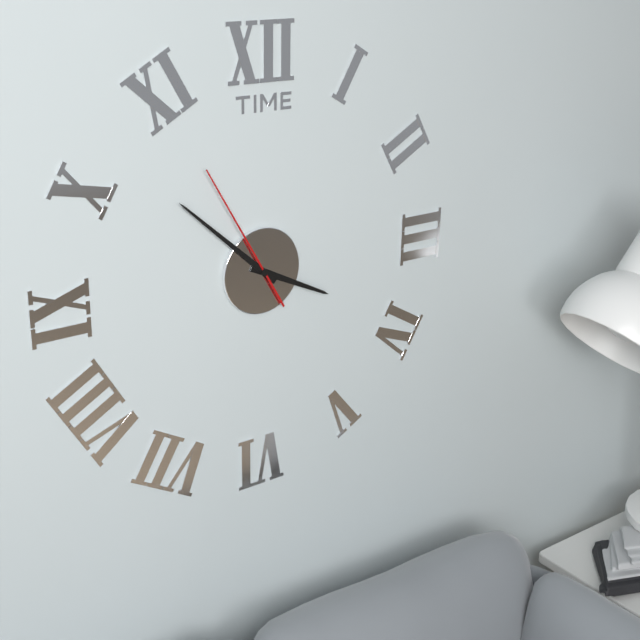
3:52:55
